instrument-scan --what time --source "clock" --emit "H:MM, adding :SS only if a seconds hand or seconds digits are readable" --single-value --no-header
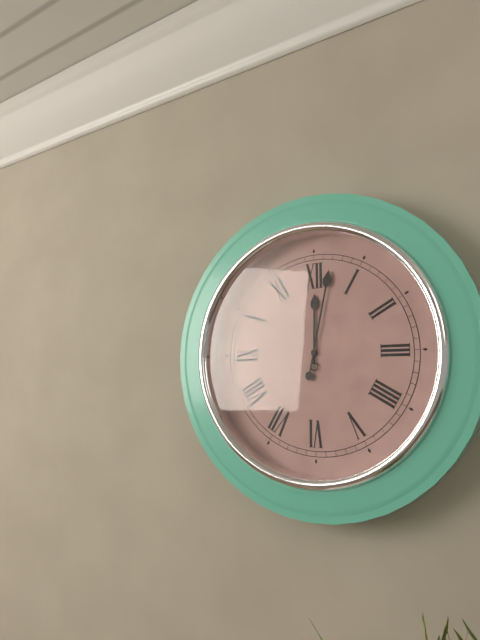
12:02
